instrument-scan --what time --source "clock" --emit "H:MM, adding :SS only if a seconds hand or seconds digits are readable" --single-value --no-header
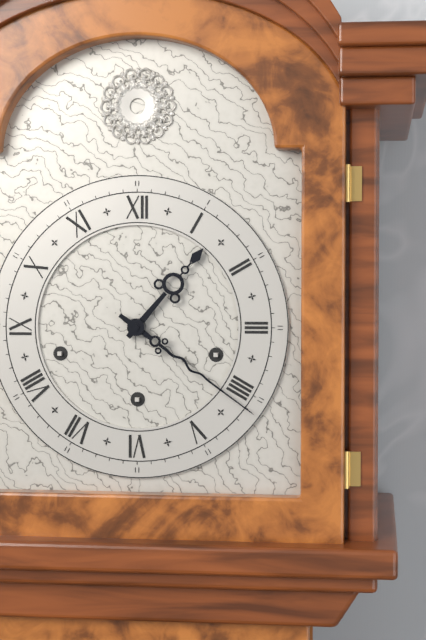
1:21
